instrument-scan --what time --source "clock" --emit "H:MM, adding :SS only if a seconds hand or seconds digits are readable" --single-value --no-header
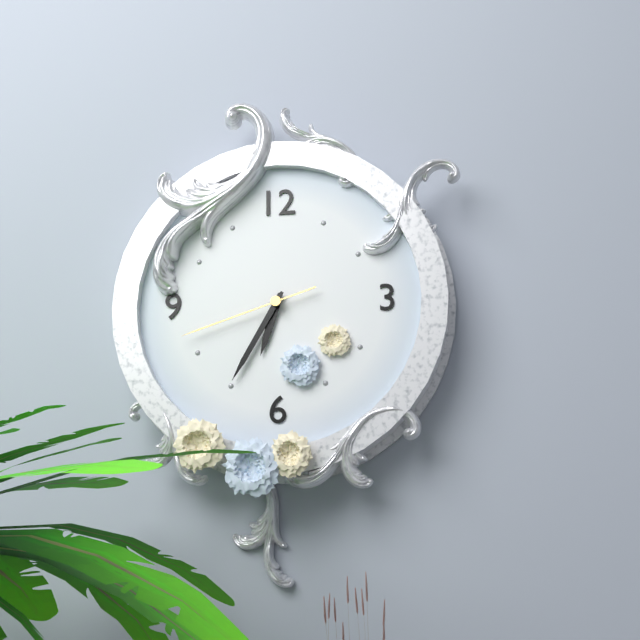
6:35:42
